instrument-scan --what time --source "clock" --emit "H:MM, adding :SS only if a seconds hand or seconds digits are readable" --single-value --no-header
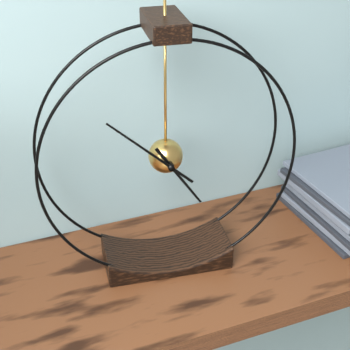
4:52
